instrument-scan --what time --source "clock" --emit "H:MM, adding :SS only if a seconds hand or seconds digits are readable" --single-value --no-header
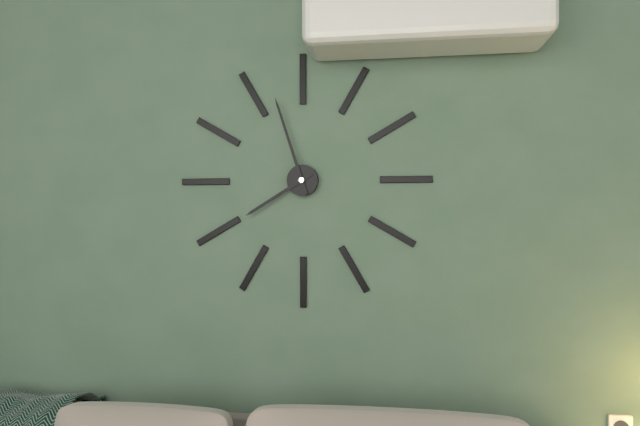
7:57
